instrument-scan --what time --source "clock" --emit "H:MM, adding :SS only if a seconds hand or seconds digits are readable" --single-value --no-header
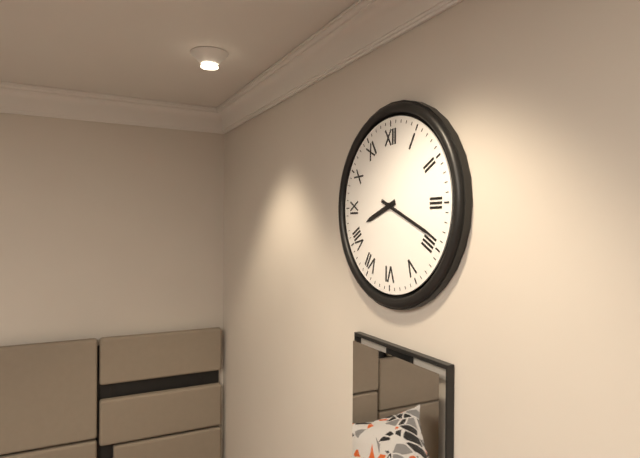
8:19
